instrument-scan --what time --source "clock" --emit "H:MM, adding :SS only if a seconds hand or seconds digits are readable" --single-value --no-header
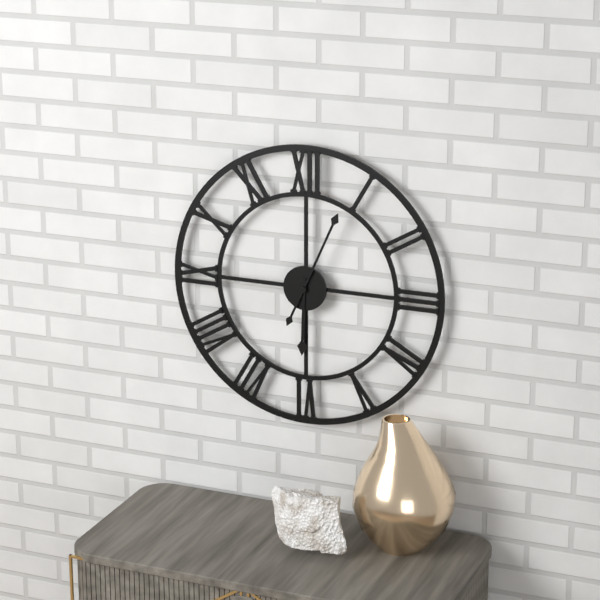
6:04
